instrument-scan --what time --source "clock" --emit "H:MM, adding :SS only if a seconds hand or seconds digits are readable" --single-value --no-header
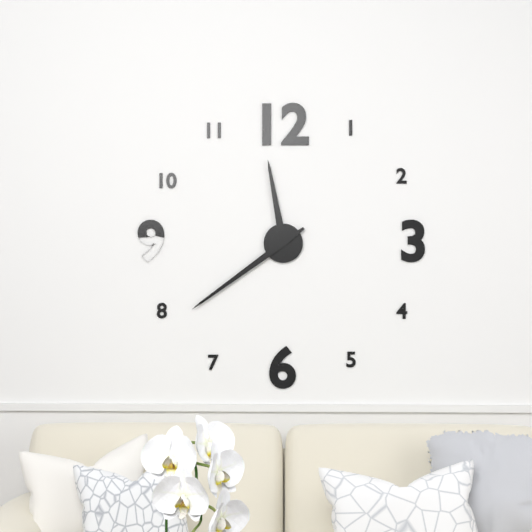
11:39
